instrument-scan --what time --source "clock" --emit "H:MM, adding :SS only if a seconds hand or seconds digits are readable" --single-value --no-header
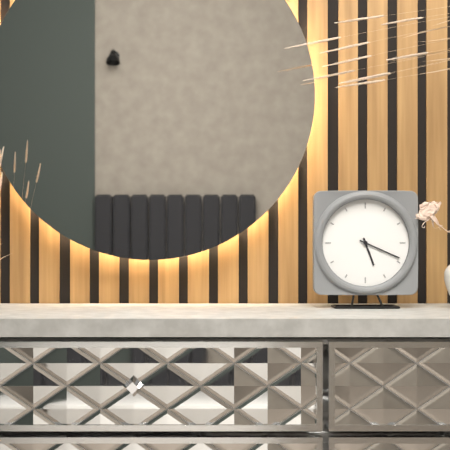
5:19
